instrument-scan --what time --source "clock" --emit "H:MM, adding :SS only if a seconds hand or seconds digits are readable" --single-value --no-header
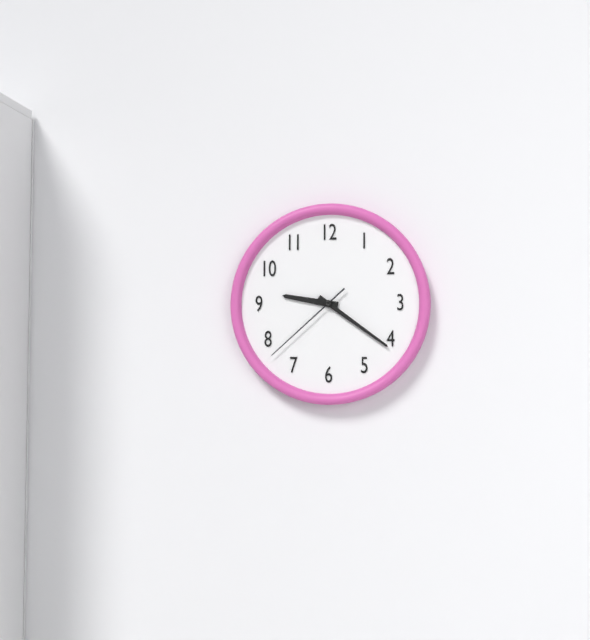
9:21:38
